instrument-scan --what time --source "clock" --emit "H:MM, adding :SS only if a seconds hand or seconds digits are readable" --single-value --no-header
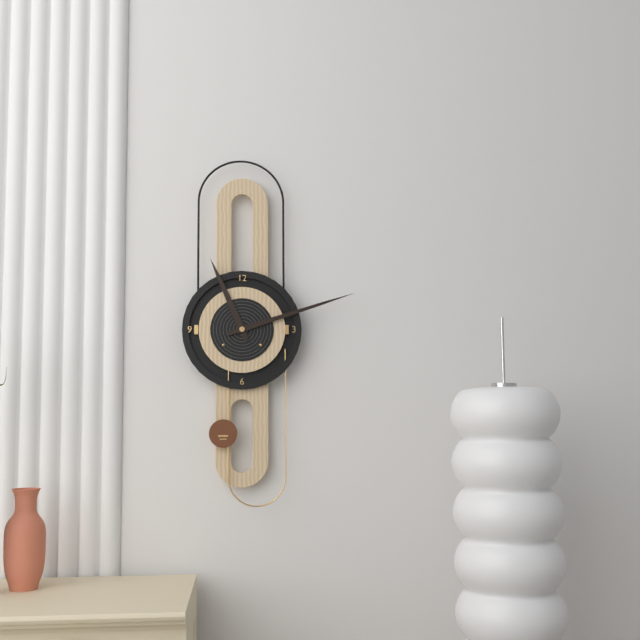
11:12
